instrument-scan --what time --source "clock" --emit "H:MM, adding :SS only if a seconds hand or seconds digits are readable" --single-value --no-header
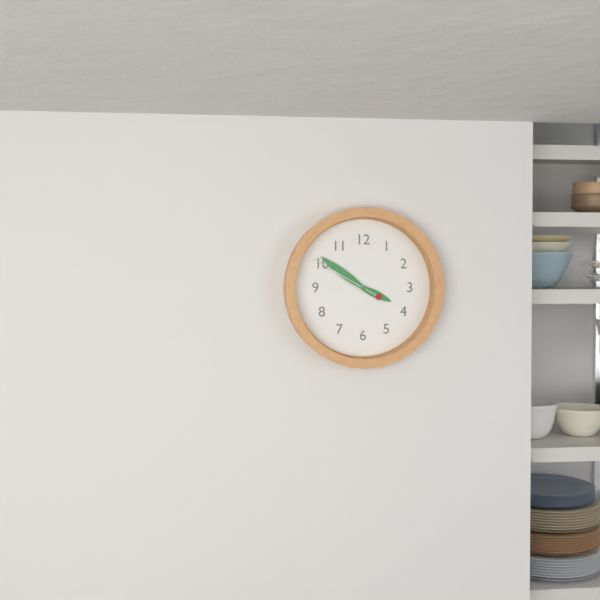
3:51:50
